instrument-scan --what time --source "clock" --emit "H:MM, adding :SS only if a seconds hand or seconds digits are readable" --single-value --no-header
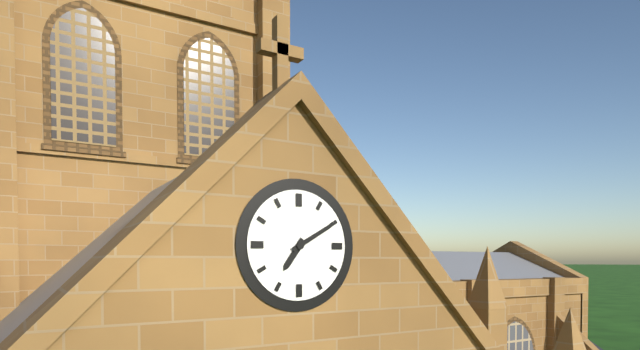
7:10
